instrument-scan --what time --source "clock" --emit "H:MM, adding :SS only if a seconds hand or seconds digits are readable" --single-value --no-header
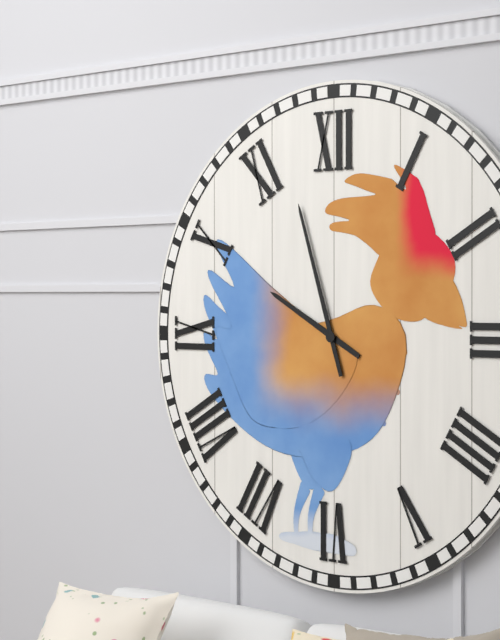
9:57
